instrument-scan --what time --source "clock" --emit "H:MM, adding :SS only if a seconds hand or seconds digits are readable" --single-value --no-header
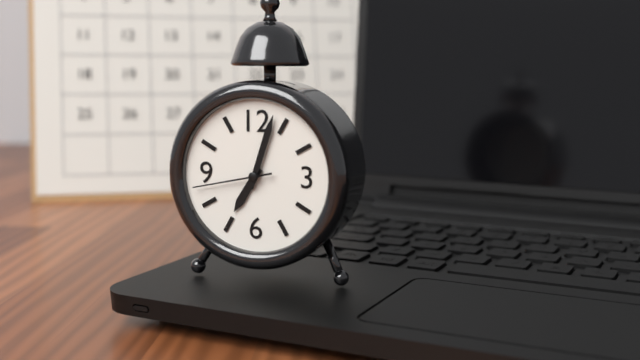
7:03:43
